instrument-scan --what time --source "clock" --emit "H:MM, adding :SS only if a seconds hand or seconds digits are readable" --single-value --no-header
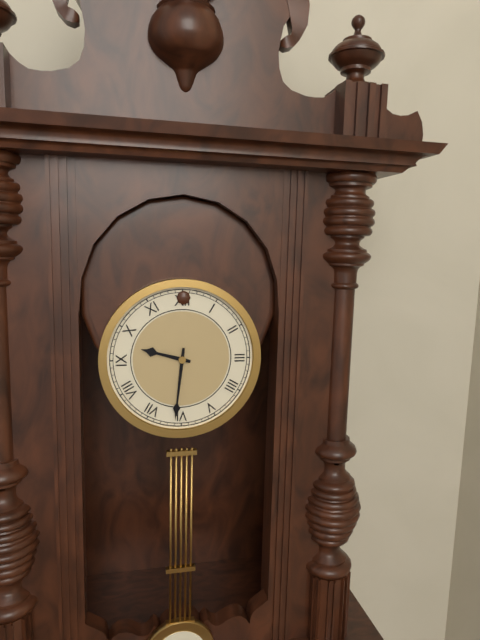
9:31
